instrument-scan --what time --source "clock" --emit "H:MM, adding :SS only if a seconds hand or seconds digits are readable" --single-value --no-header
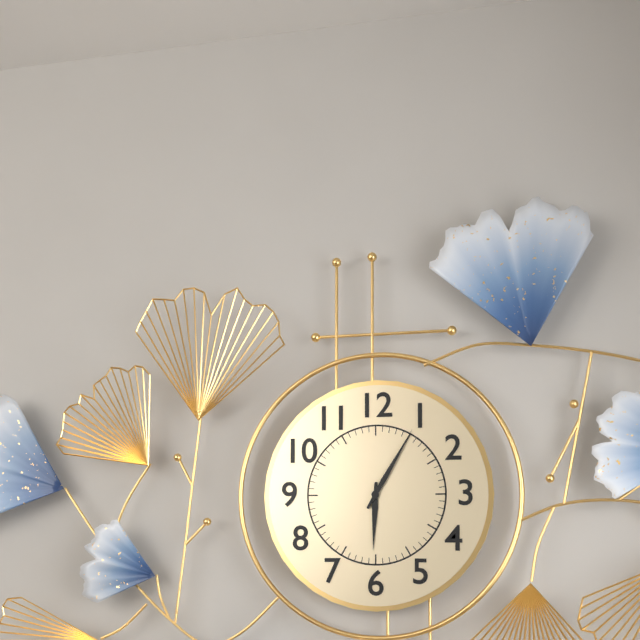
6:05
